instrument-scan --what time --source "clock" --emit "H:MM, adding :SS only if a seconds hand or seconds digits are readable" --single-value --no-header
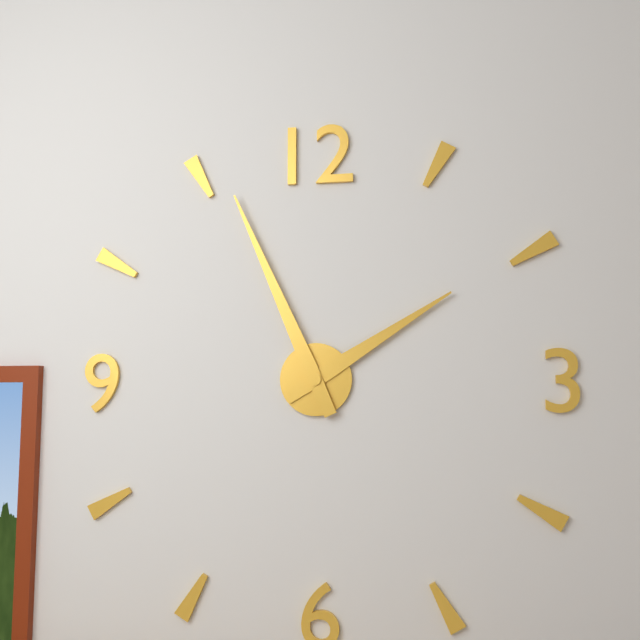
1:56
